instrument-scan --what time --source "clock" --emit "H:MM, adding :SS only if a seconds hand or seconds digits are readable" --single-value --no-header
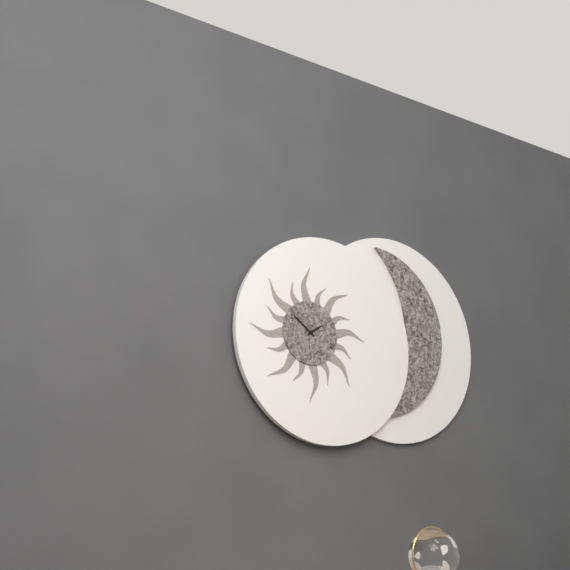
1:51
